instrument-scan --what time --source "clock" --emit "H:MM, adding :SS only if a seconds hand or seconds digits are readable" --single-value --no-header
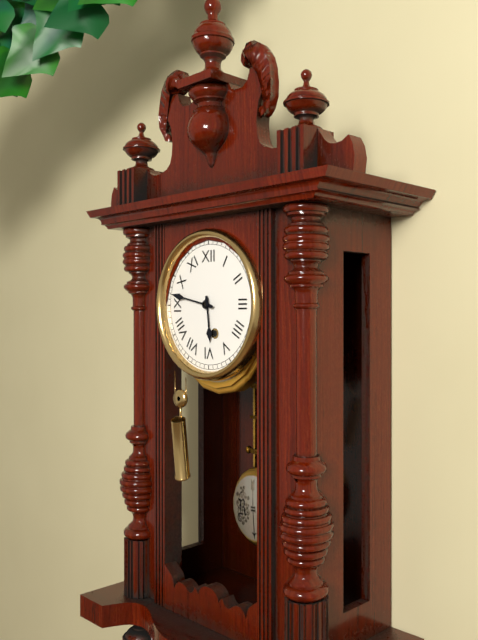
5:47
